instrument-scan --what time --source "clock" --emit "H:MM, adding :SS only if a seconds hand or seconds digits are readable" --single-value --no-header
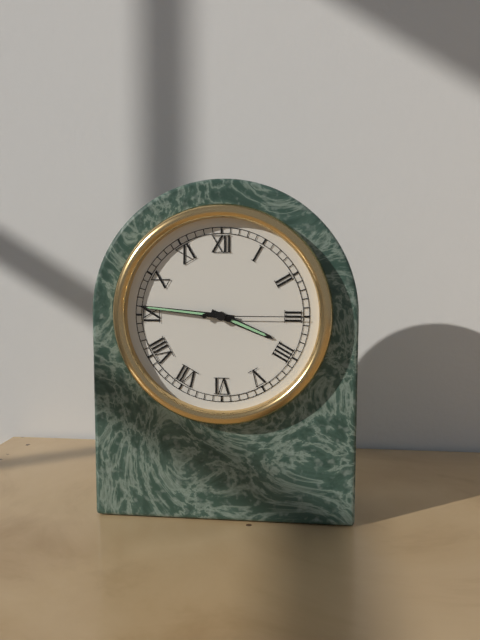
3:46:15
